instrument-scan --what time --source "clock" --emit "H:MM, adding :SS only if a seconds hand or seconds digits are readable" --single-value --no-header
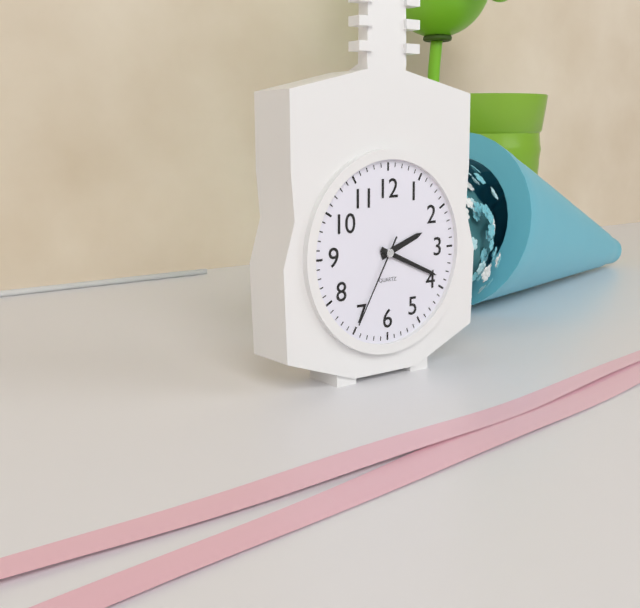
2:19:35
